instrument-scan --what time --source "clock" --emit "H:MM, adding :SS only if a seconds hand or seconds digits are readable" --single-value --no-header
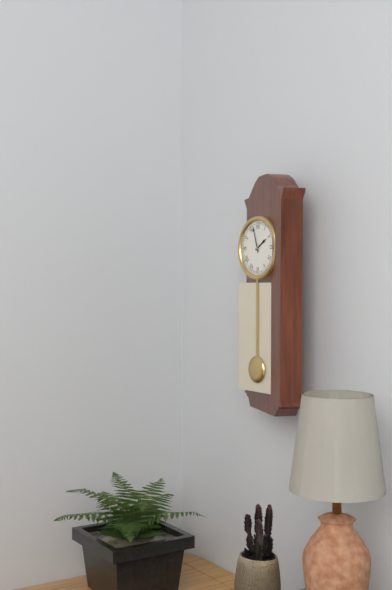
1:57
